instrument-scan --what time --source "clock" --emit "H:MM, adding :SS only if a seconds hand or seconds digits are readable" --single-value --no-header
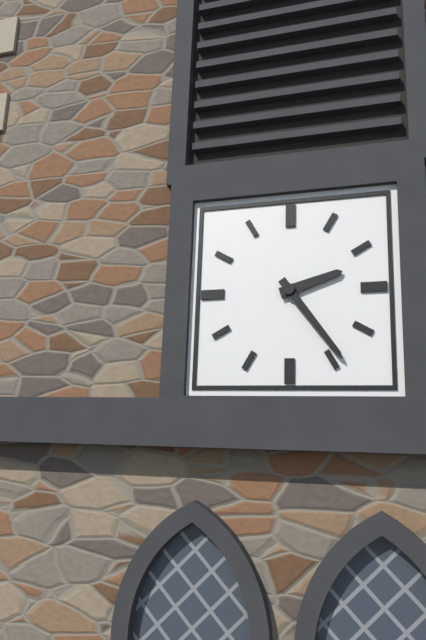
2:24
